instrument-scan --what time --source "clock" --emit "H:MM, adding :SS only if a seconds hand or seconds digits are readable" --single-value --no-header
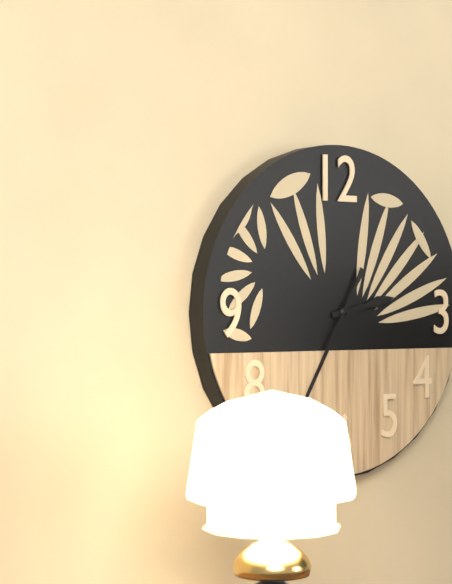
2:35
